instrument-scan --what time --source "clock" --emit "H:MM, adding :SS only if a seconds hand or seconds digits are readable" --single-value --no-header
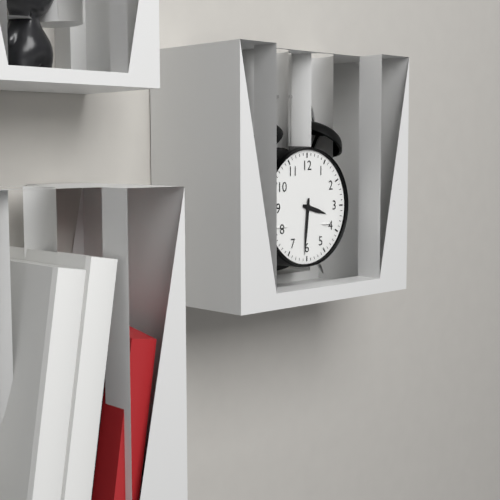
3:31
